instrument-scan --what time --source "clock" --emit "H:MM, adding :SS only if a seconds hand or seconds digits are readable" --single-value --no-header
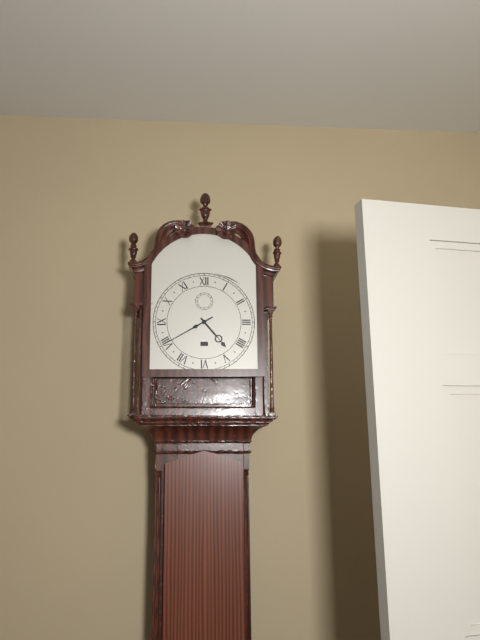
4:40
